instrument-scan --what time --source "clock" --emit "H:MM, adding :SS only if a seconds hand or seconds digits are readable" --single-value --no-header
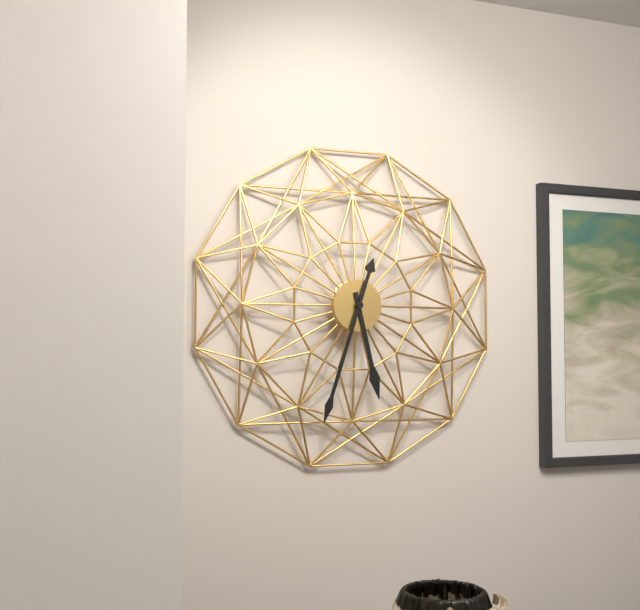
5:33
